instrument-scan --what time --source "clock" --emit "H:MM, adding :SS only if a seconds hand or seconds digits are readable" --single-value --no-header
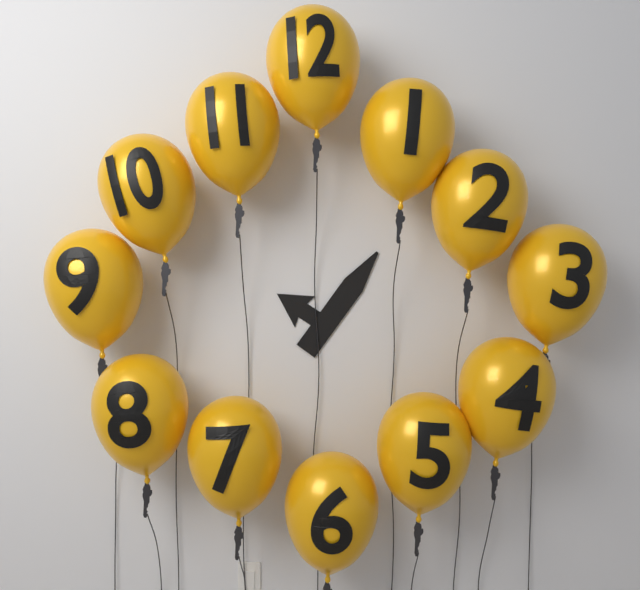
10:06
